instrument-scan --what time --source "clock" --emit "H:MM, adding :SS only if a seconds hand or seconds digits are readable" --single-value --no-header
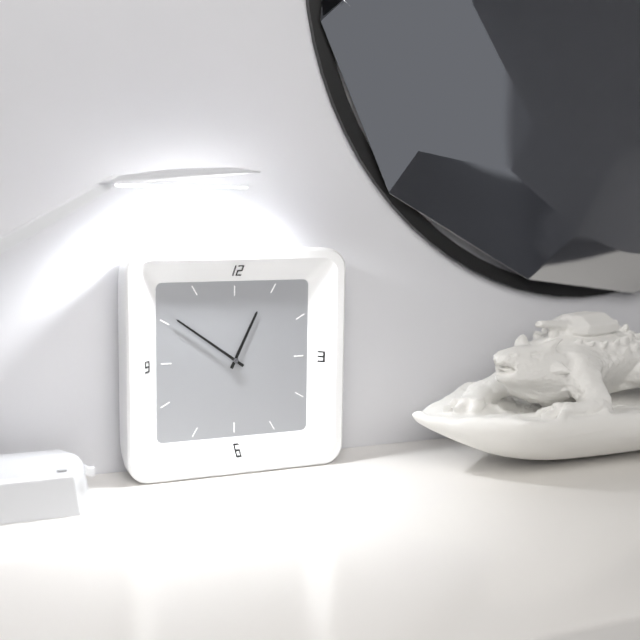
12:51
